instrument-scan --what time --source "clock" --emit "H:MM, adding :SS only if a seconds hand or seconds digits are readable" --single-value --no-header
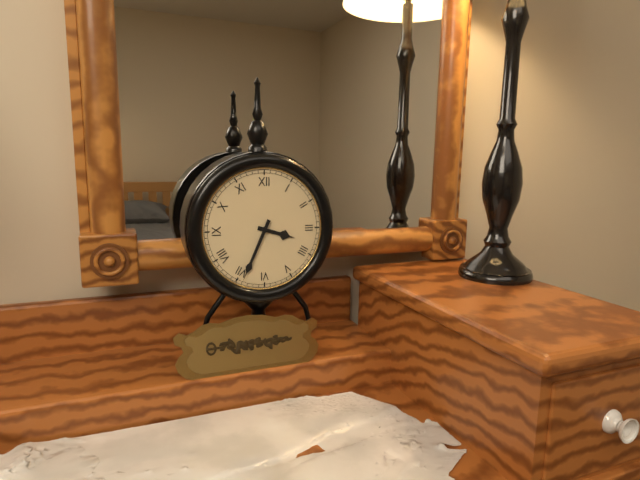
3:34
